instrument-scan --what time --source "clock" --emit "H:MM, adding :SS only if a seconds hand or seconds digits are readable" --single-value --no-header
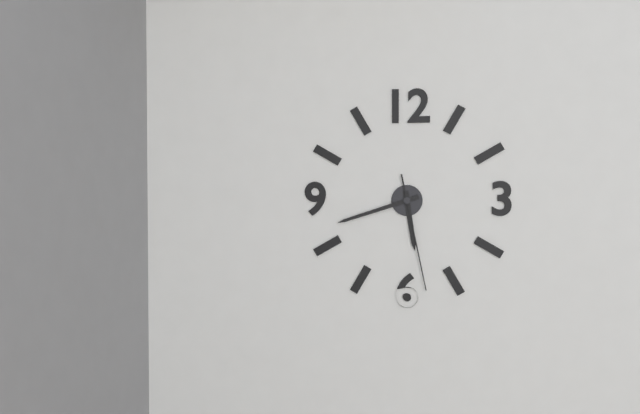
5:42:28
